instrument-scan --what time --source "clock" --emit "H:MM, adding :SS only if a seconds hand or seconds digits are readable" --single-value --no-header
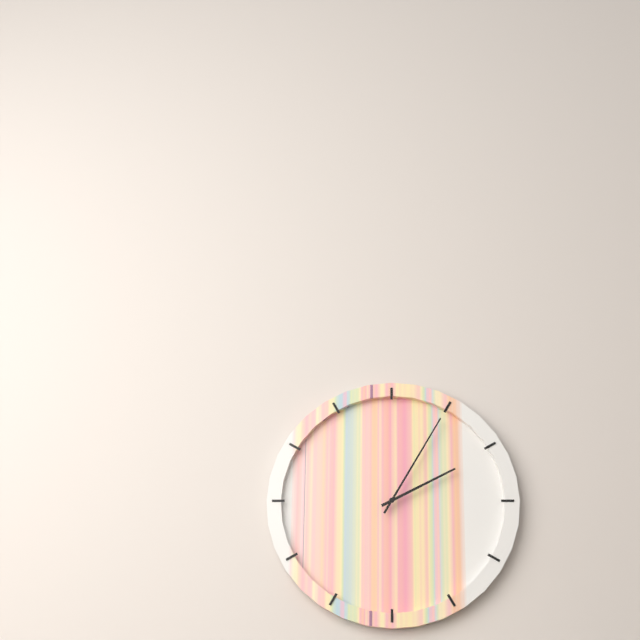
2:05
